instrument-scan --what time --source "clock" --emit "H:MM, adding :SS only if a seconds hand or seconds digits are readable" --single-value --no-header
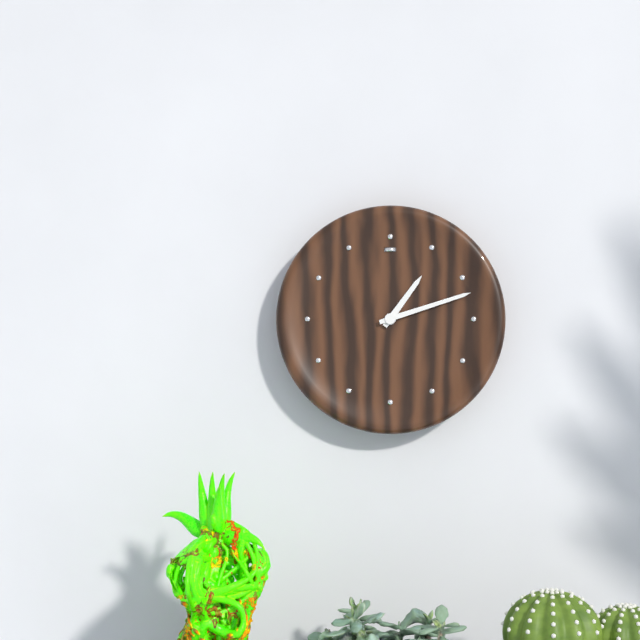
1:12
